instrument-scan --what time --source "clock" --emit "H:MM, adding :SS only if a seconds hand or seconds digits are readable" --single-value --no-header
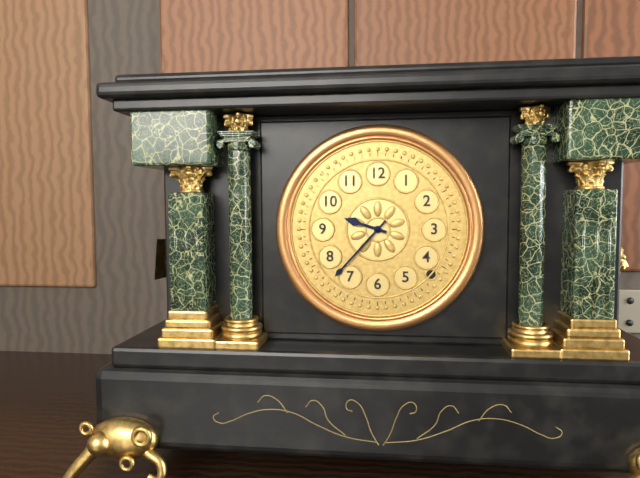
9:37
